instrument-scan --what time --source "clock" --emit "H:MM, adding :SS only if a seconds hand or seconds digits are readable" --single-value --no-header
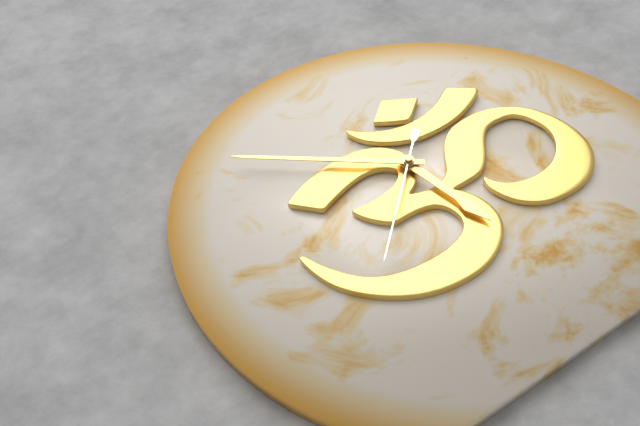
5:52:38
